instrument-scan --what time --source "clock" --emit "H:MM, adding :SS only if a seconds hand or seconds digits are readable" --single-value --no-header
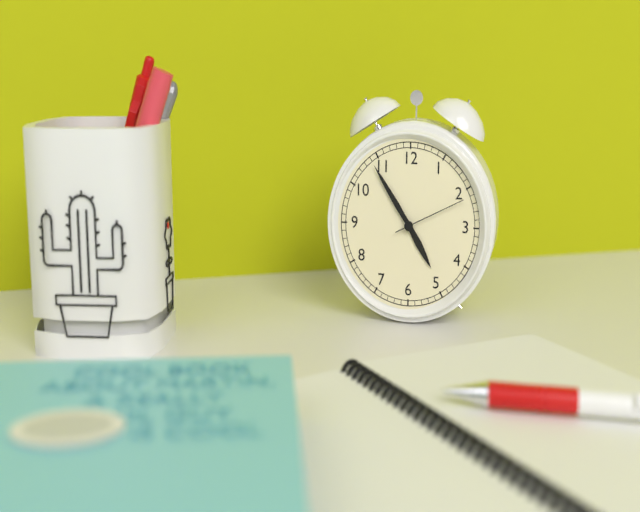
4:54:11
